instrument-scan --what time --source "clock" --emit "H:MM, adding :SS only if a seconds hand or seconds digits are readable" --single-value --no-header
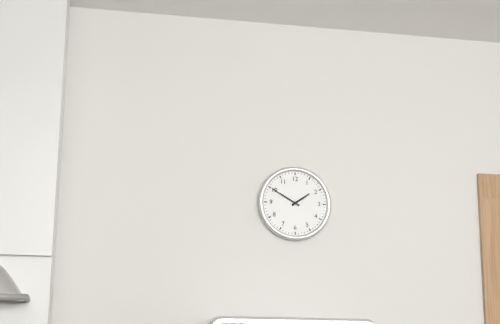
1:50
